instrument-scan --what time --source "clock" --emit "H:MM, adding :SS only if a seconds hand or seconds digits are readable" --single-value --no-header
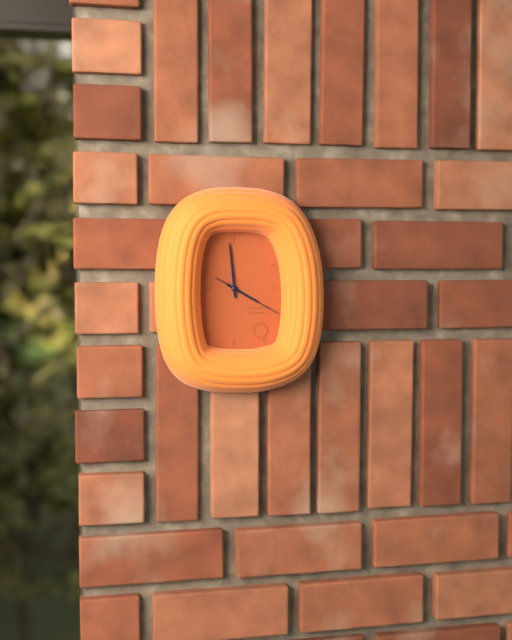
3:59:20
